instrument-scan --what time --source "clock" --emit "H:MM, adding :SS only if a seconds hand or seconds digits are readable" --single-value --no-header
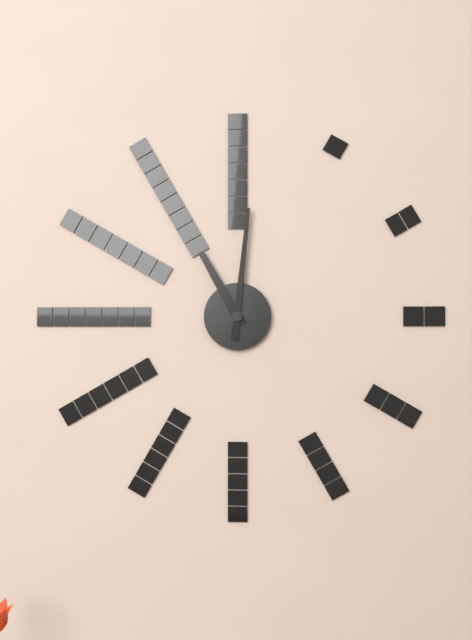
11:01
